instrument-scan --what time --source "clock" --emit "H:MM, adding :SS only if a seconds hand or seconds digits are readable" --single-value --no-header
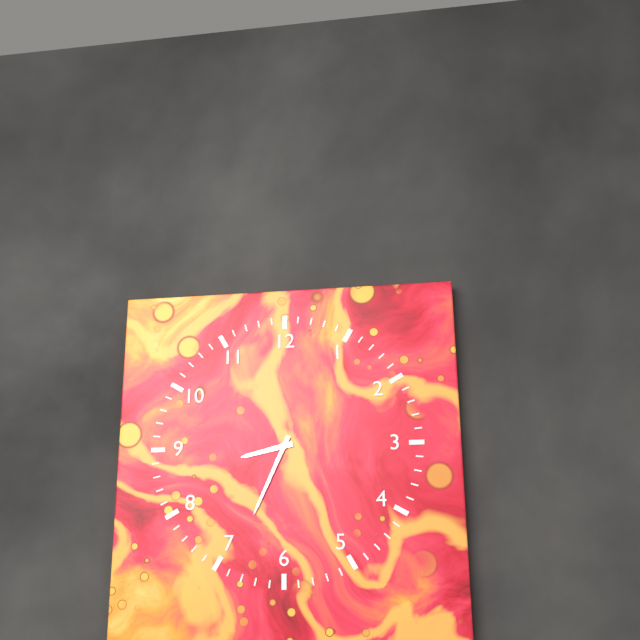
8:34
